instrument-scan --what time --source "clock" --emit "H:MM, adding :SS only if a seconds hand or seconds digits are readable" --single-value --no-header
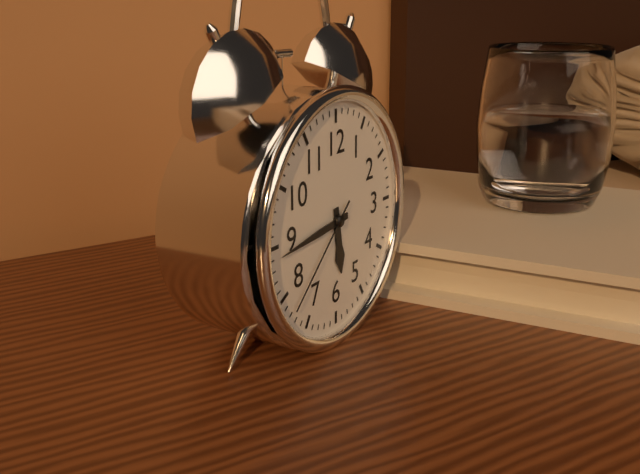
5:44:38
